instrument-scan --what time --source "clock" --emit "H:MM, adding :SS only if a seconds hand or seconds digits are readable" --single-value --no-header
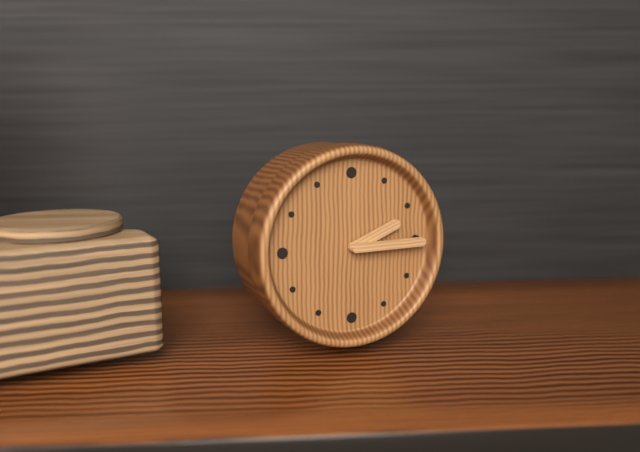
2:15
